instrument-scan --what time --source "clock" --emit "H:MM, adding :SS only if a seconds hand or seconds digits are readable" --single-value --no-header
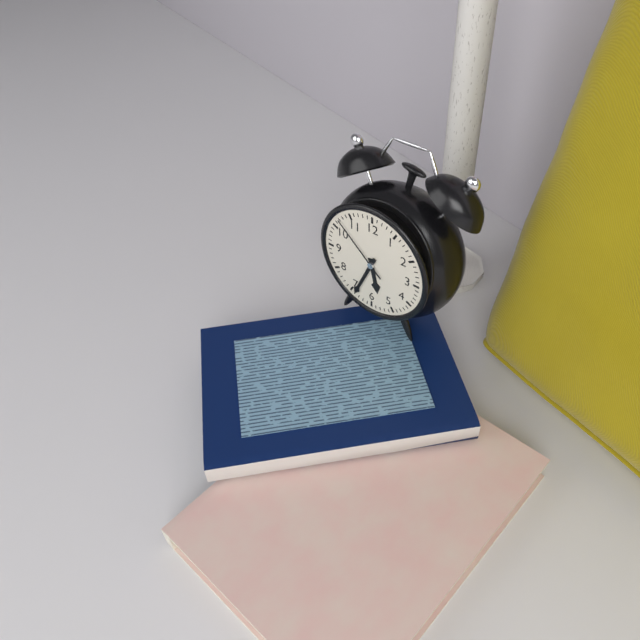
5:34:52
